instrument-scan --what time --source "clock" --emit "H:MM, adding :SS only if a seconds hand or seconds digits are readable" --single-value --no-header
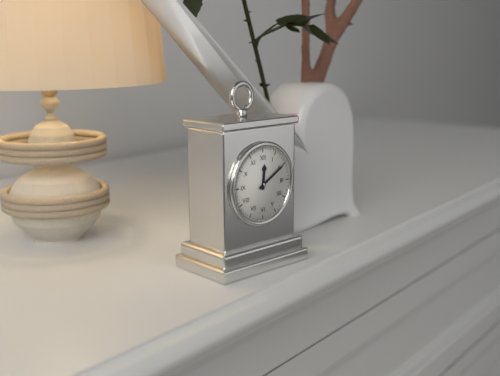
12:10
